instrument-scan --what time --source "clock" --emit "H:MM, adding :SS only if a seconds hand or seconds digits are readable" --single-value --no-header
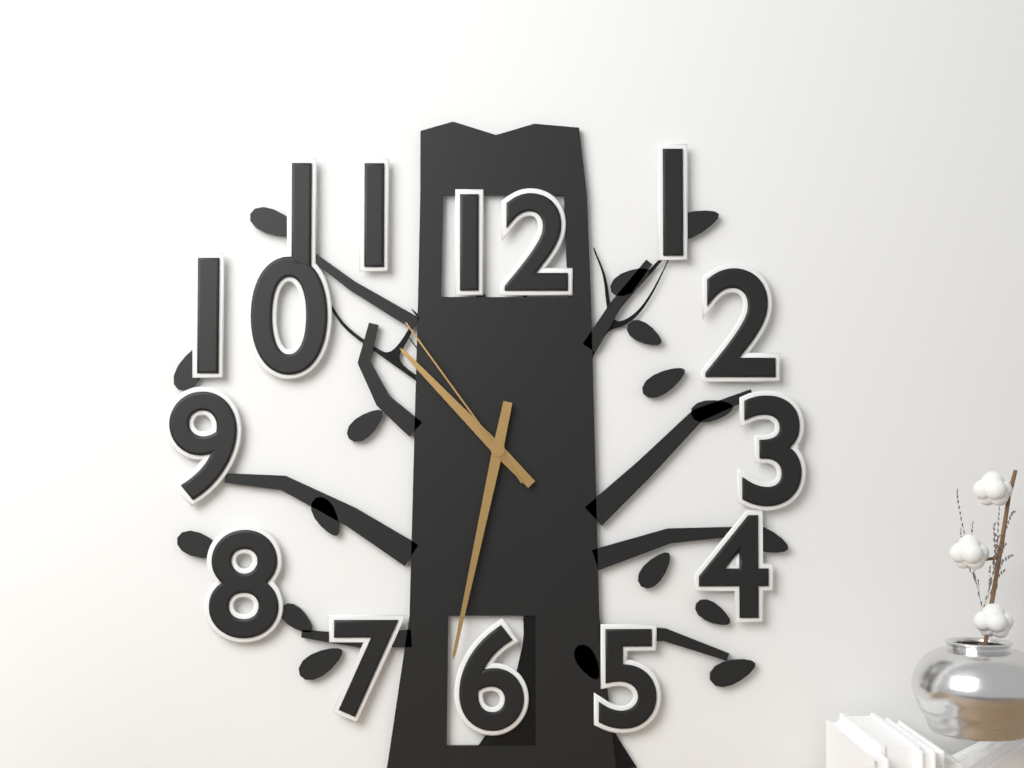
10:32:54
